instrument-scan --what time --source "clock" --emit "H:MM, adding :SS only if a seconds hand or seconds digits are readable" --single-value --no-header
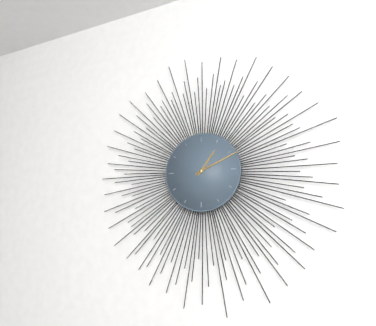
1:11
